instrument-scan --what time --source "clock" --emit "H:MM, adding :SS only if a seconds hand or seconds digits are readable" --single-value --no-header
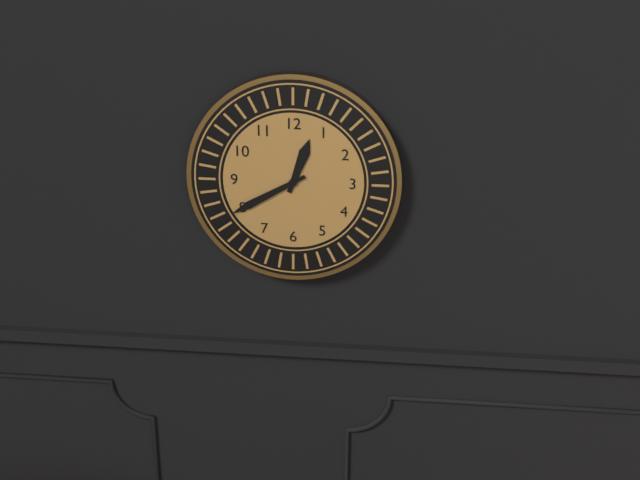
12:40
